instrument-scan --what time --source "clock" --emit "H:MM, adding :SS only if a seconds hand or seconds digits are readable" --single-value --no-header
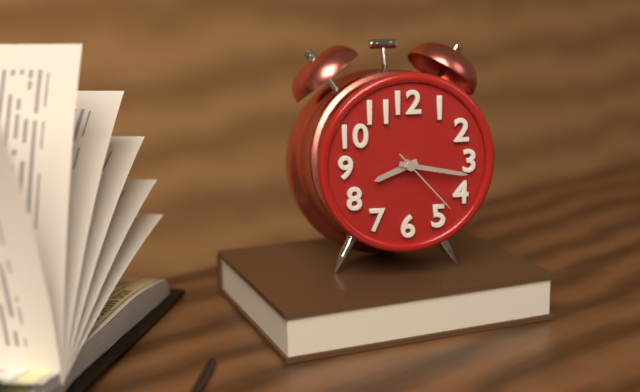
8:17:23
